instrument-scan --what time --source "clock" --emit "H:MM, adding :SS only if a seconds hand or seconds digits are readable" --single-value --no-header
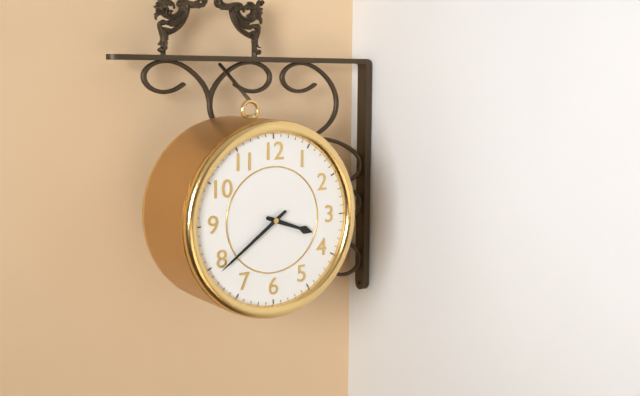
3:39
